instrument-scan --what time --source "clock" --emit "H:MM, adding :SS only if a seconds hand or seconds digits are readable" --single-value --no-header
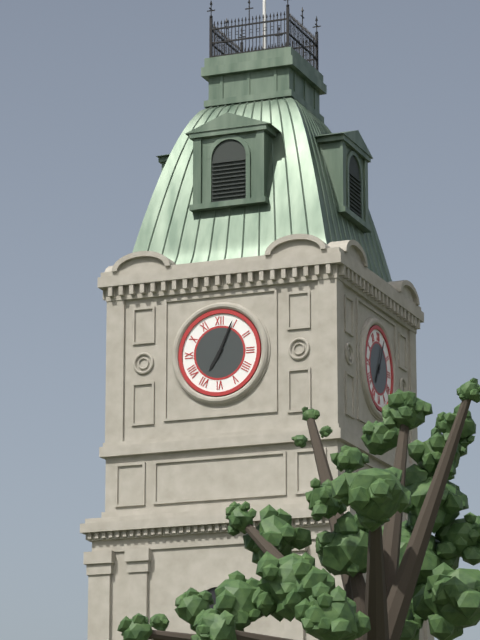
7:04
